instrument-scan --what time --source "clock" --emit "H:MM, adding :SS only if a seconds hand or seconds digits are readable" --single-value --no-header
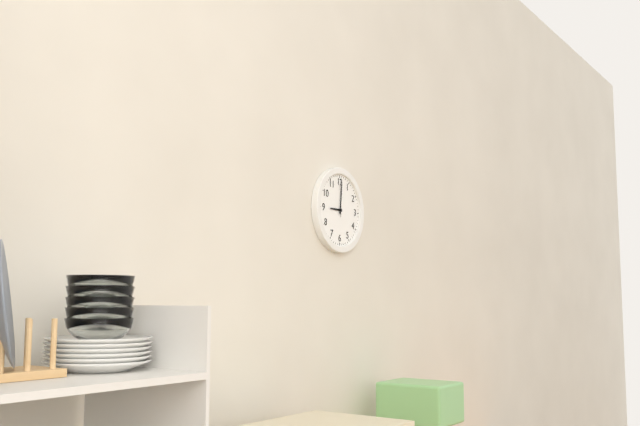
9:01
